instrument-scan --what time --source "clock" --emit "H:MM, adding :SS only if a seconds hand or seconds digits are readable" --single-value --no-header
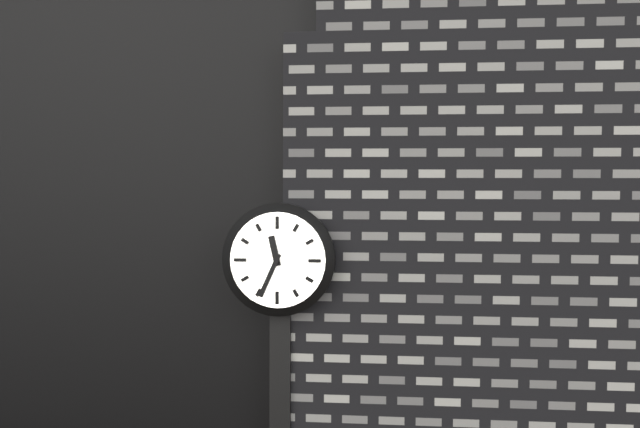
11:34
